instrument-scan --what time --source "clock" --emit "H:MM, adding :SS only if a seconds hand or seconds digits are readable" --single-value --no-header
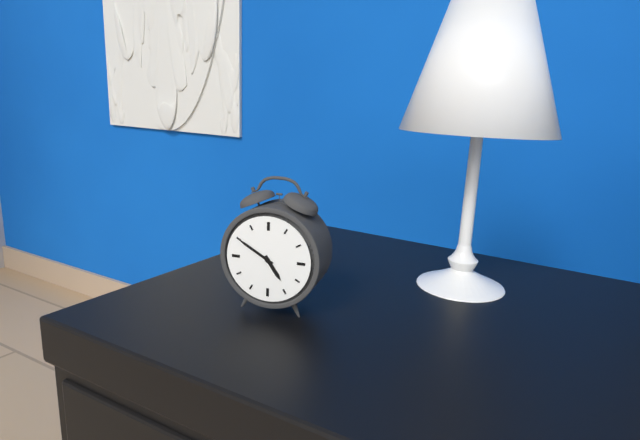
4:50
